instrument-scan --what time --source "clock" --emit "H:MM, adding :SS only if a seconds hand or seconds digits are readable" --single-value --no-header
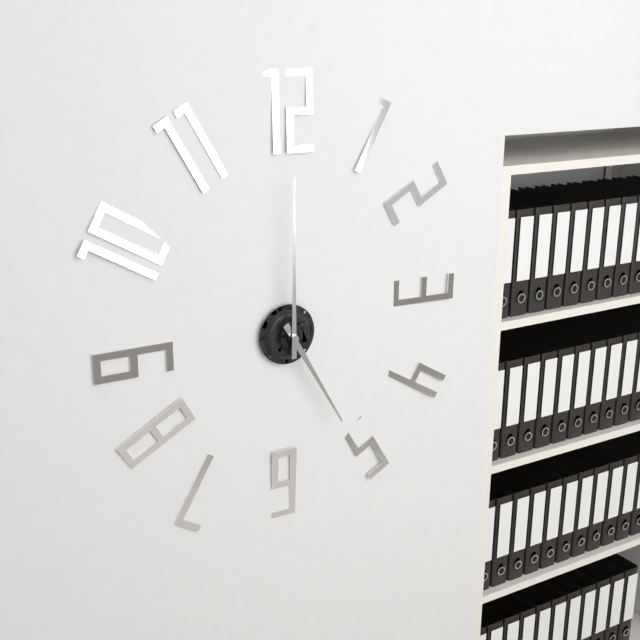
5:00
